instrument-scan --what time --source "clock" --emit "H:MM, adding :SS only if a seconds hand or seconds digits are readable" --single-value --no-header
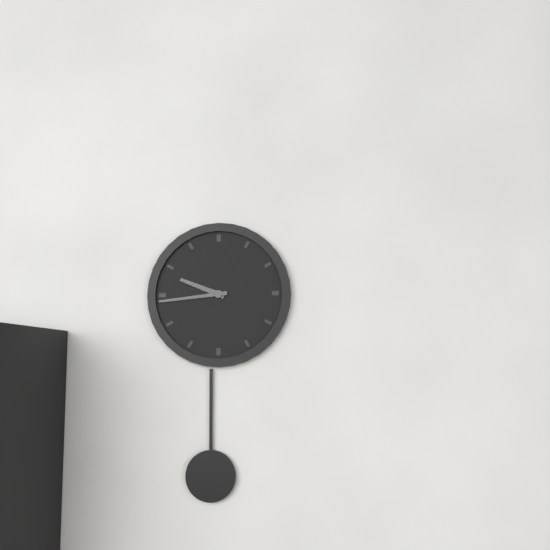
9:44
